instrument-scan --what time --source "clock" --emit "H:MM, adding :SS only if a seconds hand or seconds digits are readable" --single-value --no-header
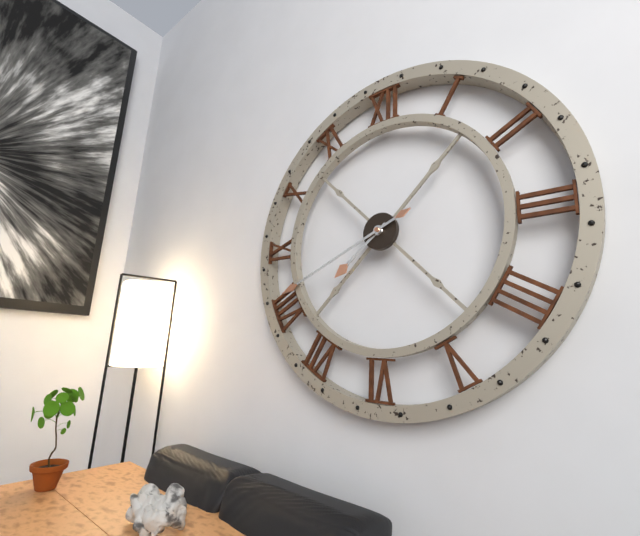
7:41
